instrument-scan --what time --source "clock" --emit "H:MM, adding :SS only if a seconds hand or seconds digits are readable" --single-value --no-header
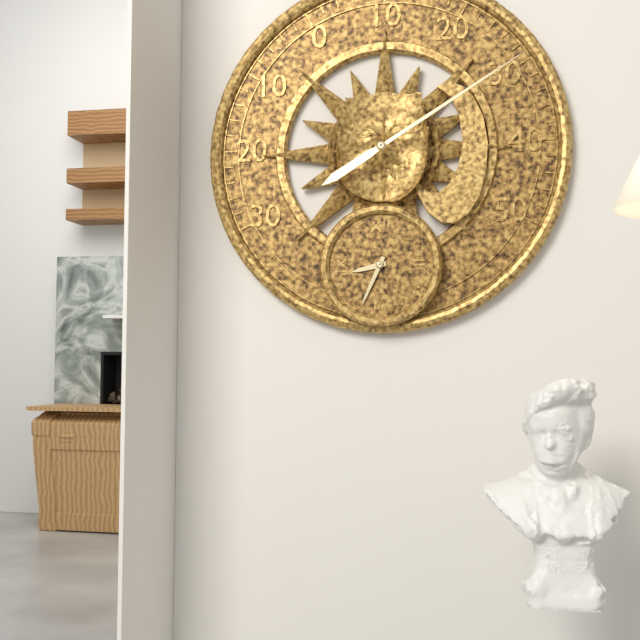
8:34
